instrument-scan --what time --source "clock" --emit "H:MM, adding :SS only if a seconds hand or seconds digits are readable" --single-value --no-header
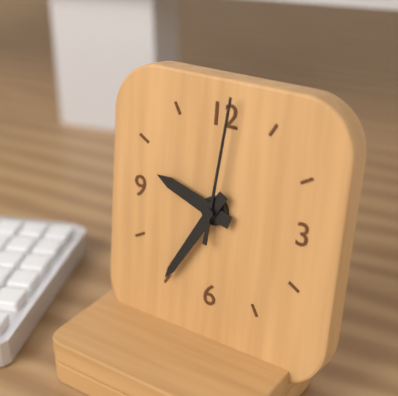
9:35:01
